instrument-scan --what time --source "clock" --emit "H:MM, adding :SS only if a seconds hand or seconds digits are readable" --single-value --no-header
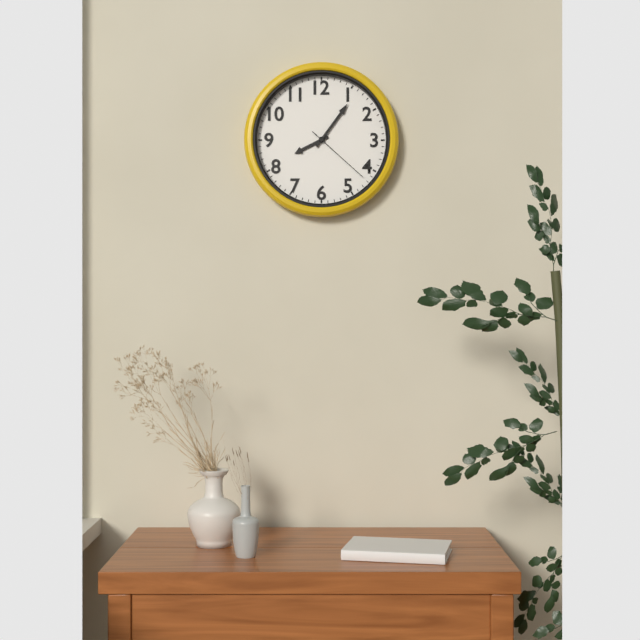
8:06:22
